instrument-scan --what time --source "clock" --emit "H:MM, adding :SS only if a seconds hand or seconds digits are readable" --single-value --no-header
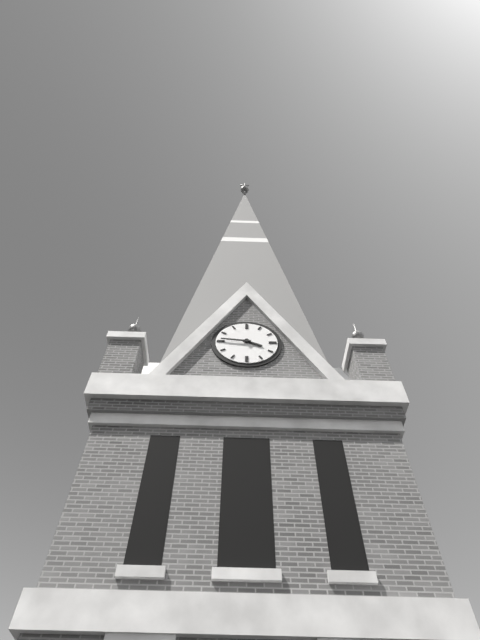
3:46
